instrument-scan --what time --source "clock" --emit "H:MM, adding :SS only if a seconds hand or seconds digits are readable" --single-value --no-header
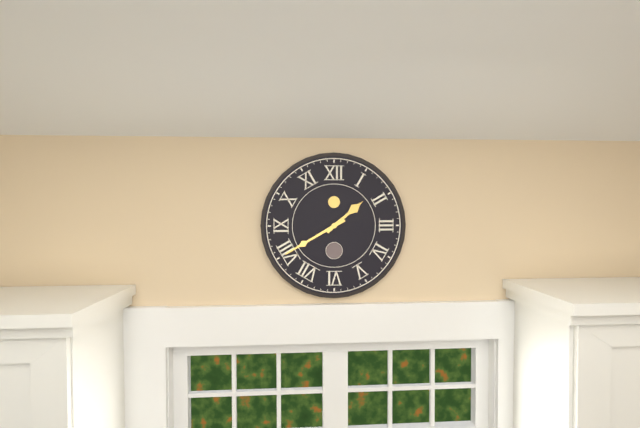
1:40
